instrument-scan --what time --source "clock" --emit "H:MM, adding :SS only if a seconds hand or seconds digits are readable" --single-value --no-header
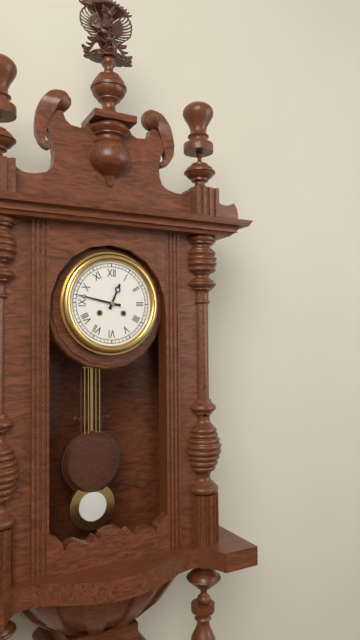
12:47
